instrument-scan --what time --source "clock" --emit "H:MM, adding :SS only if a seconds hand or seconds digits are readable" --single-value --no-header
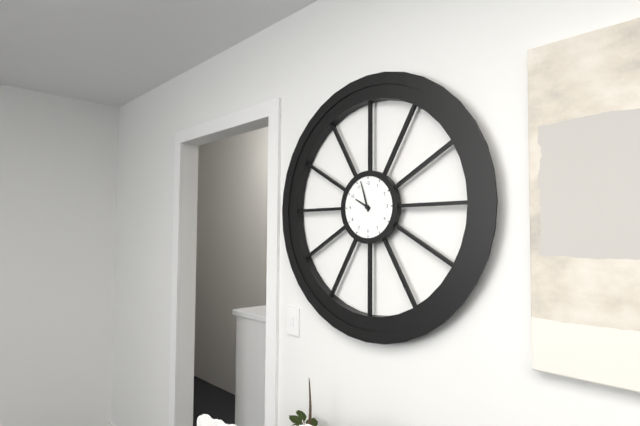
9:57
